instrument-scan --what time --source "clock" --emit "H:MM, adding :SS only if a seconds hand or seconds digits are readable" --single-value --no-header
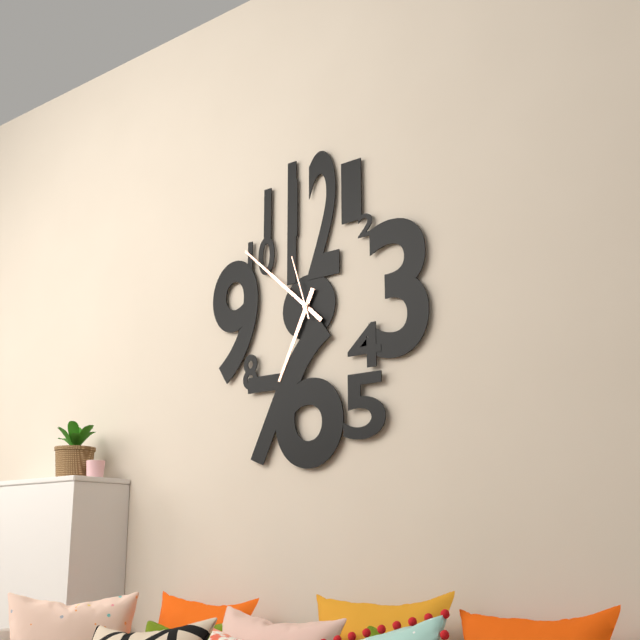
6:52:57
